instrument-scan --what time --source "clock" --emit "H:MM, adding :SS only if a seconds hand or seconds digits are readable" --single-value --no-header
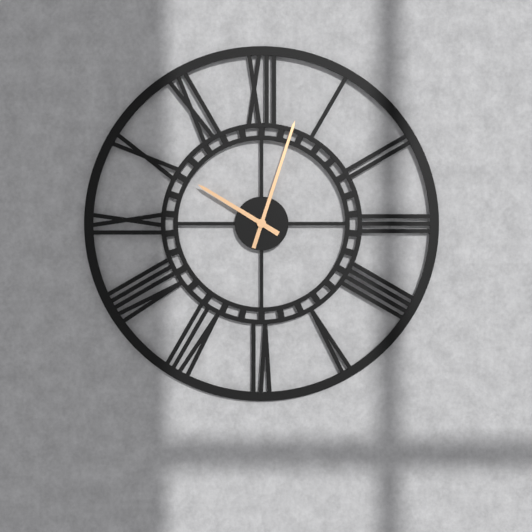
10:03
